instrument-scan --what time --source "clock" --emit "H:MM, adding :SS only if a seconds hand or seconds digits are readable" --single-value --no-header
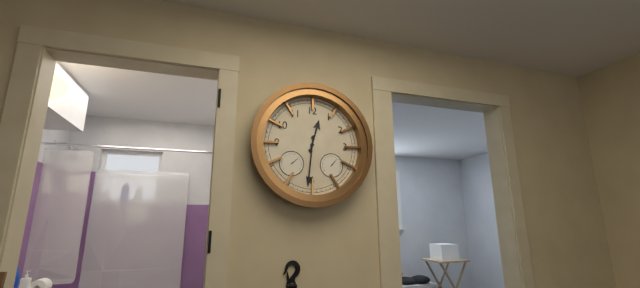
12:31
